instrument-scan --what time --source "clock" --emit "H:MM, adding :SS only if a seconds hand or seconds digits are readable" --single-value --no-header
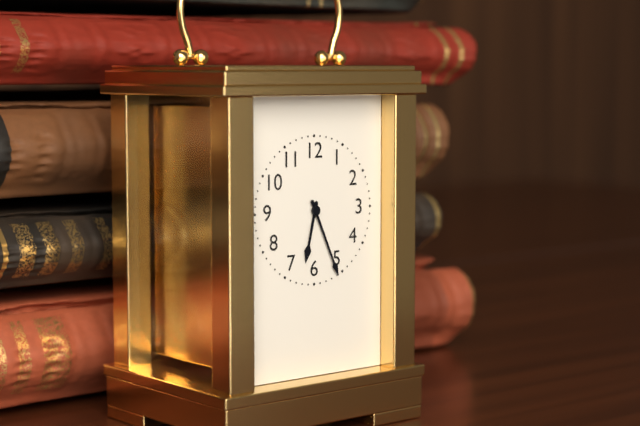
6:26
